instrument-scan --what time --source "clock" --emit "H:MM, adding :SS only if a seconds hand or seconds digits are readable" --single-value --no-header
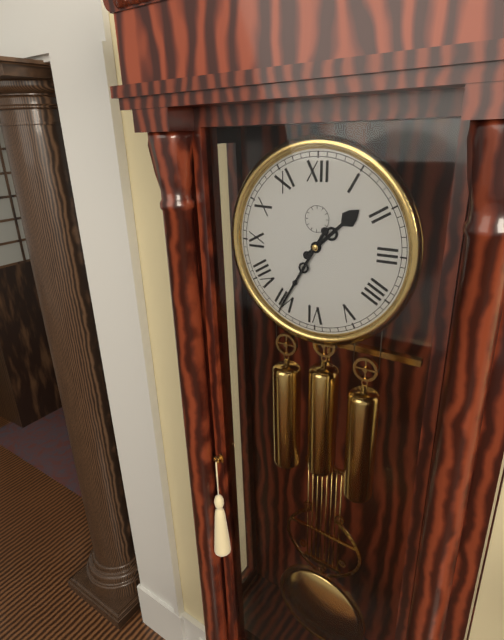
1:35
